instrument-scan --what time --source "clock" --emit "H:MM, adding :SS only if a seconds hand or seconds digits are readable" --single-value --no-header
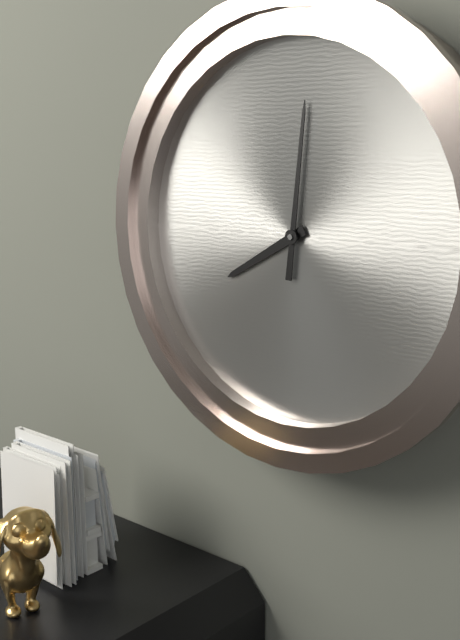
8:01
